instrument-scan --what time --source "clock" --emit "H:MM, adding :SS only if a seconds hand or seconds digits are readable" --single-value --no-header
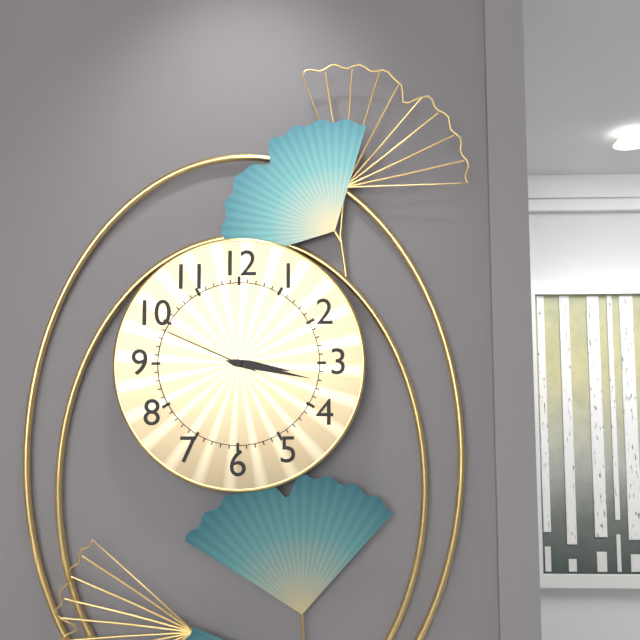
3:17:49
